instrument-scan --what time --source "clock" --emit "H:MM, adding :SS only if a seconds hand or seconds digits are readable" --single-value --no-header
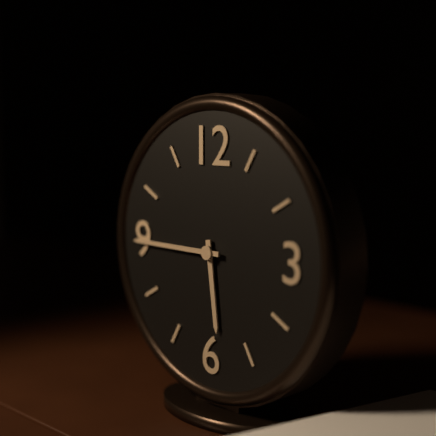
5:45
